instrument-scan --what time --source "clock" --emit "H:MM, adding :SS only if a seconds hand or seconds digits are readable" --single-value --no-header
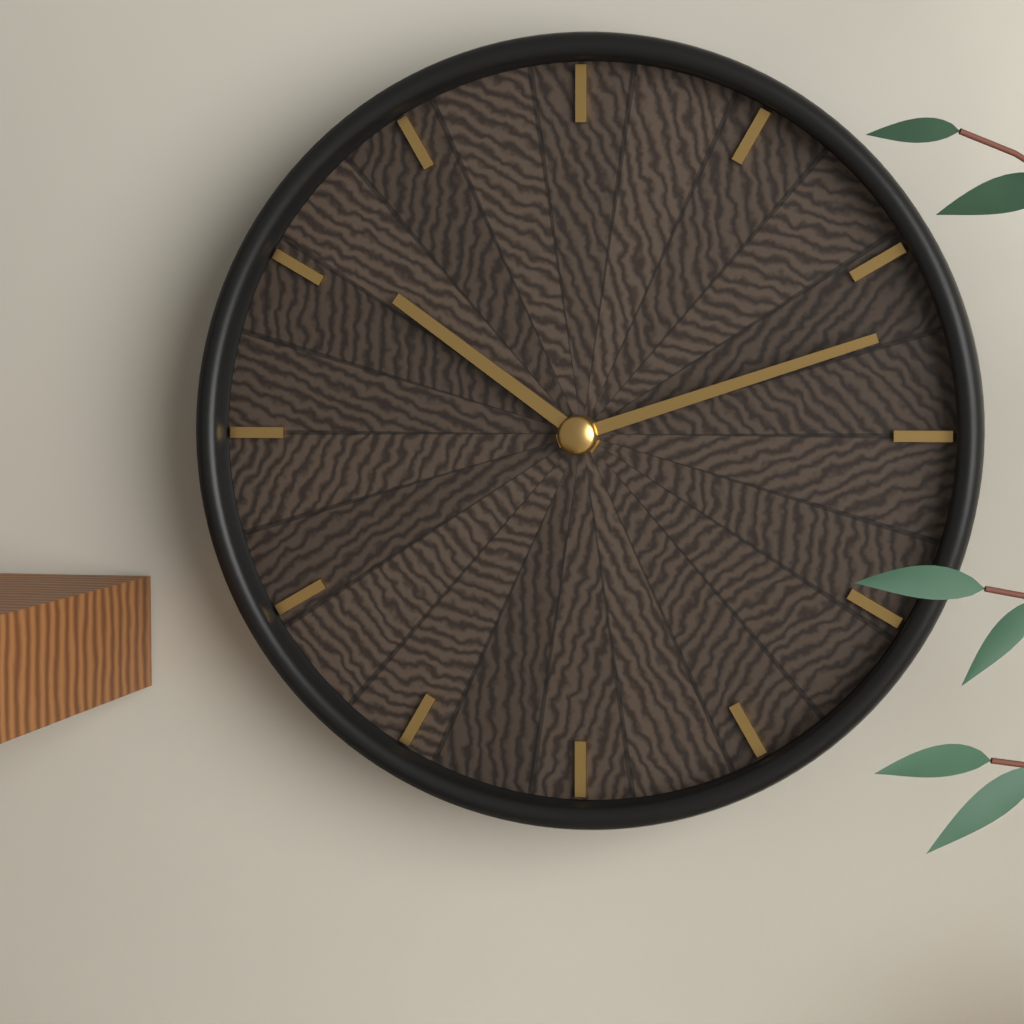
10:12
